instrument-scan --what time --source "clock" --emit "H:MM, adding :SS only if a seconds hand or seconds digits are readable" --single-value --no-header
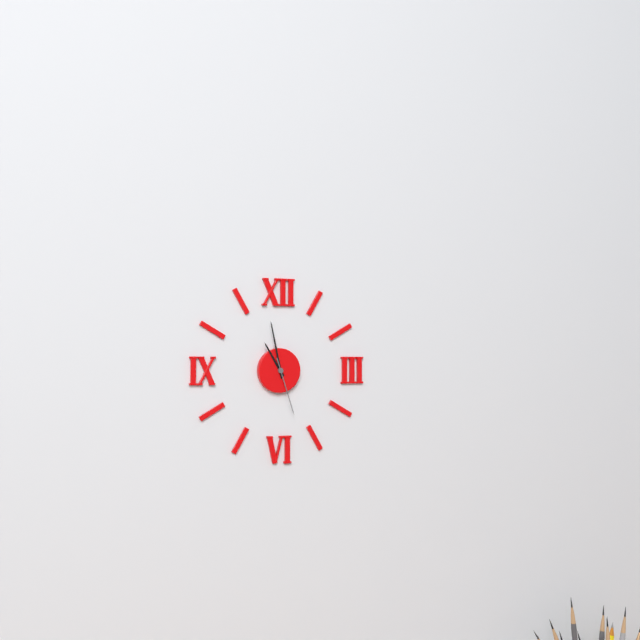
10:58:27
